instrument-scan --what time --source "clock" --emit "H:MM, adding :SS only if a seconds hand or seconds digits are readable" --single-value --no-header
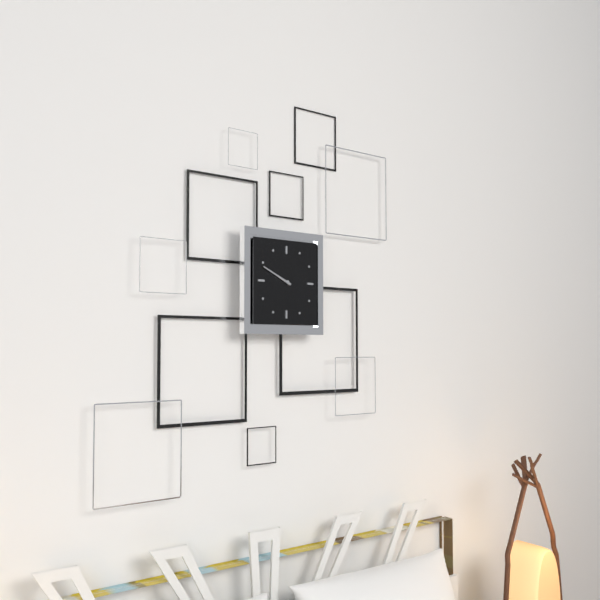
9:49
